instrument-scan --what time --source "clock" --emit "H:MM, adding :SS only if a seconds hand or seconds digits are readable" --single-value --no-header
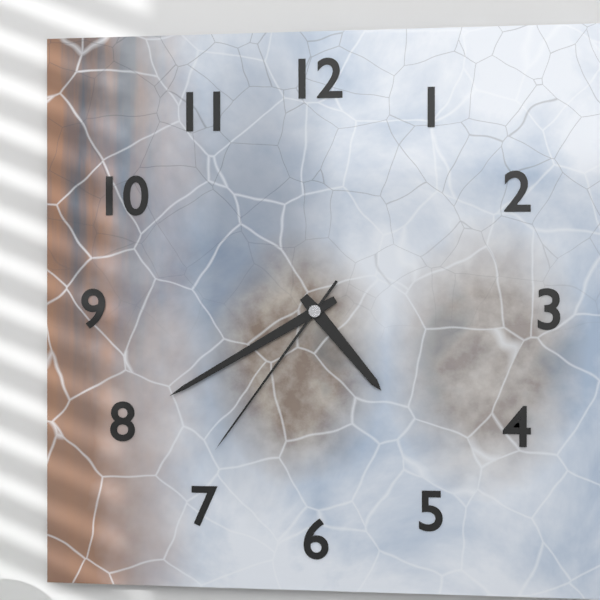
4:40:36
